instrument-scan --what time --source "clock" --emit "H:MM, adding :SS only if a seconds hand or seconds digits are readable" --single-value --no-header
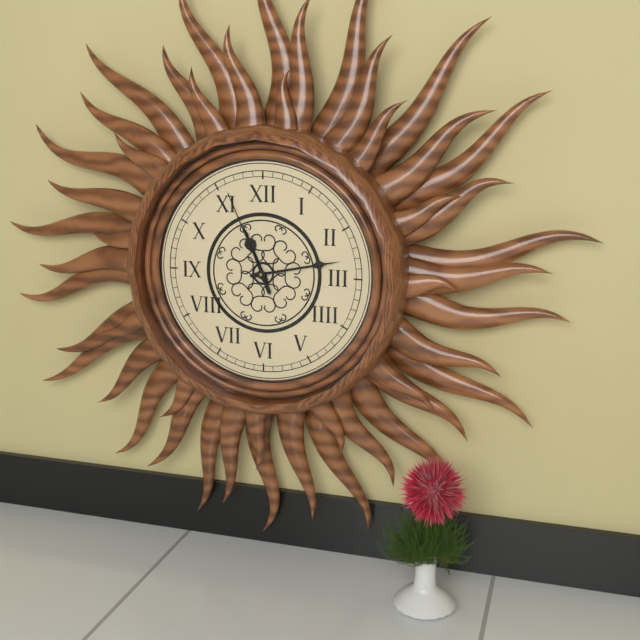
11:13:56
